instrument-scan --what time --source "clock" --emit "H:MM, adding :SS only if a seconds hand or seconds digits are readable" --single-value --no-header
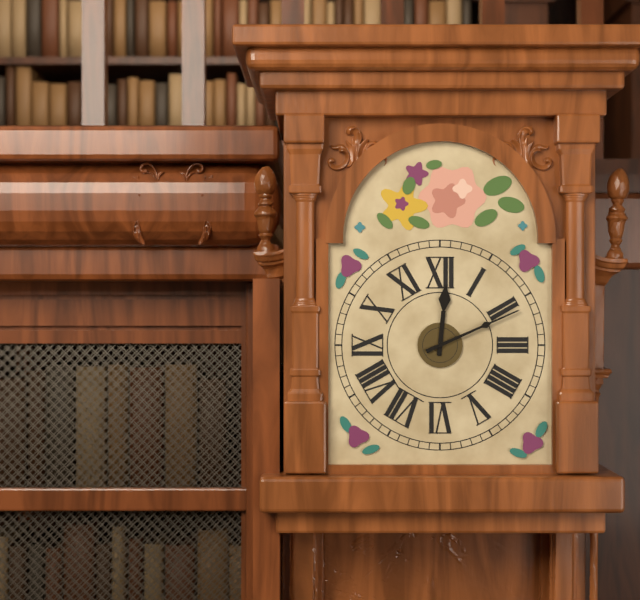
12:11
